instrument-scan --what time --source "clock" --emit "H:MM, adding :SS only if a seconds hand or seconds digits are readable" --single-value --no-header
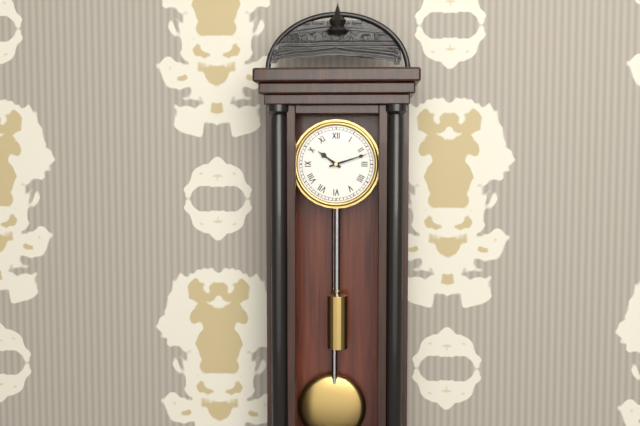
10:12
